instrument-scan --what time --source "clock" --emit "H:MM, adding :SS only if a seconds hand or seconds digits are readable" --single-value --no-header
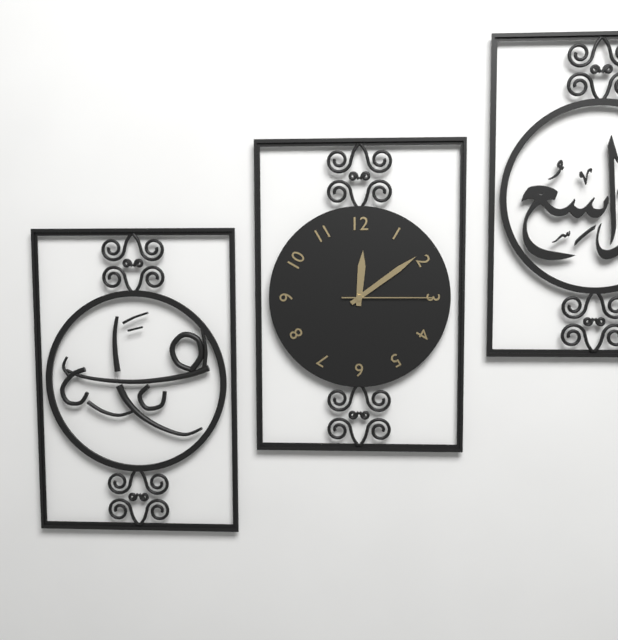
12:09:15
